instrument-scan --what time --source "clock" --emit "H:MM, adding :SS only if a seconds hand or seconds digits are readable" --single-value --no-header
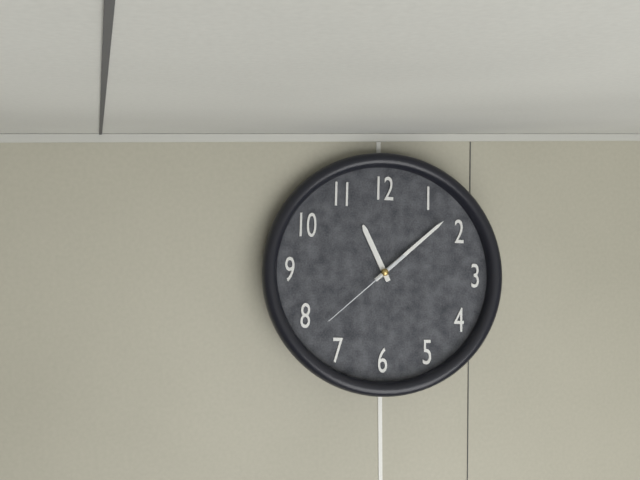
11:08:38
